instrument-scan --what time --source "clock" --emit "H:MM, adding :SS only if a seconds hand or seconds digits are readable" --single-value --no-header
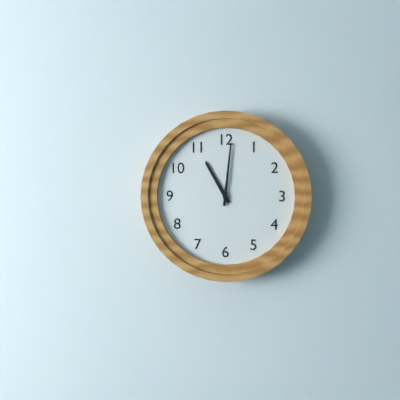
11:01
